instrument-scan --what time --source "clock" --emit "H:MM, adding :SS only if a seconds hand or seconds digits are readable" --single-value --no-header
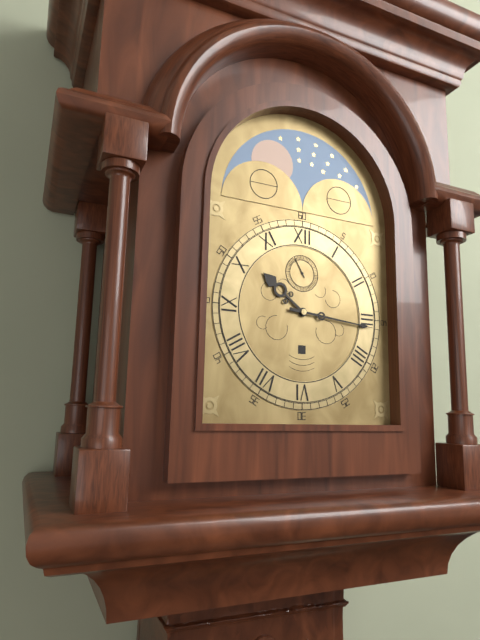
10:16
